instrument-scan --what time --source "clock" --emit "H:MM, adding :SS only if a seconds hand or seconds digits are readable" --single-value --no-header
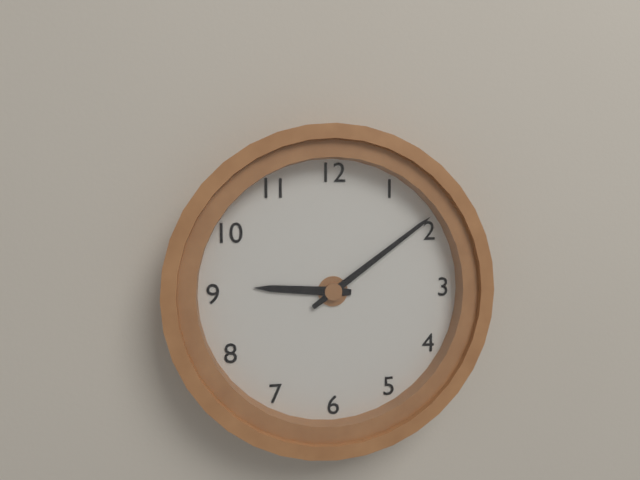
9:09
